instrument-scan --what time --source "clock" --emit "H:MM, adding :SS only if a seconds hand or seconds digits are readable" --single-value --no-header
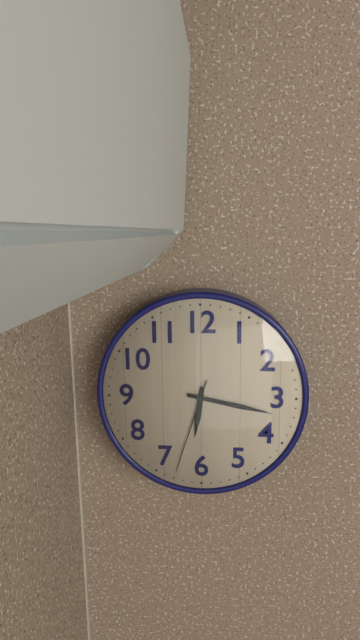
6:17:33
